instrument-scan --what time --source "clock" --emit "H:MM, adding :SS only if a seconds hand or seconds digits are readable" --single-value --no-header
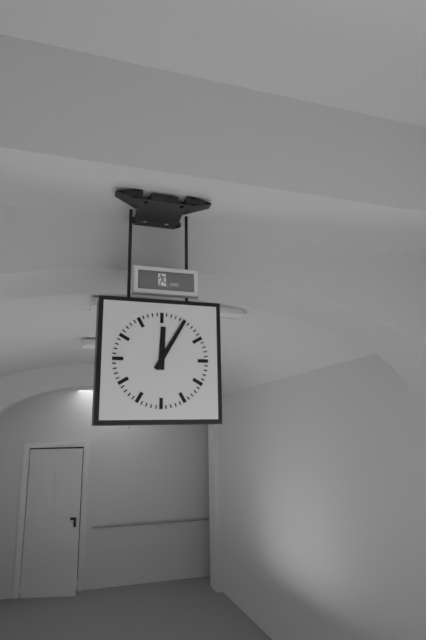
12:05
